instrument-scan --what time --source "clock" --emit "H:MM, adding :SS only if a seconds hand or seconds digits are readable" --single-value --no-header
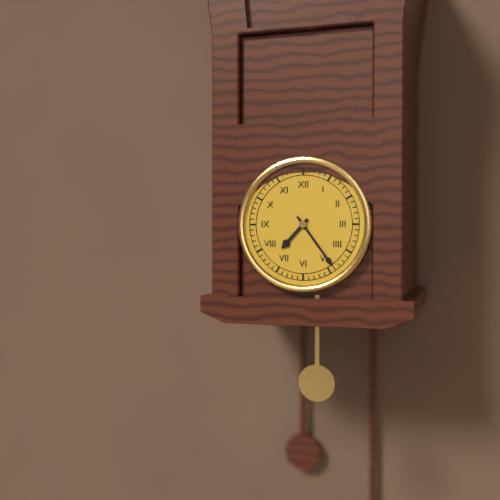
7:24
